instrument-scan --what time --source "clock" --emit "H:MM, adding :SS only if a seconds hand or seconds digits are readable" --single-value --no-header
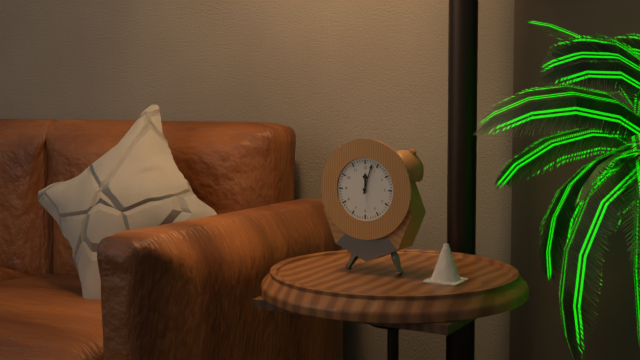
12:03
